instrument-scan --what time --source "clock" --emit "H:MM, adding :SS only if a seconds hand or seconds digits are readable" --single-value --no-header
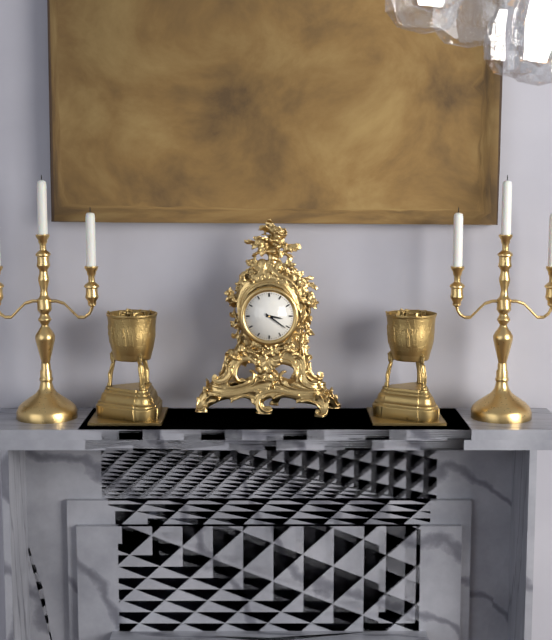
3:21
